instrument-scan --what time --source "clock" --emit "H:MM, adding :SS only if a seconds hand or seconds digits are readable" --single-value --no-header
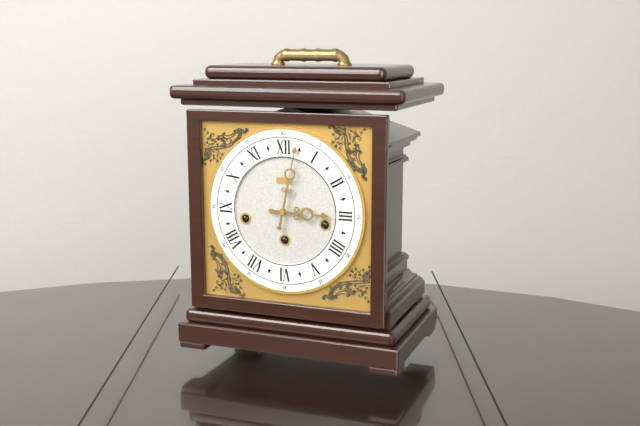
3:02
